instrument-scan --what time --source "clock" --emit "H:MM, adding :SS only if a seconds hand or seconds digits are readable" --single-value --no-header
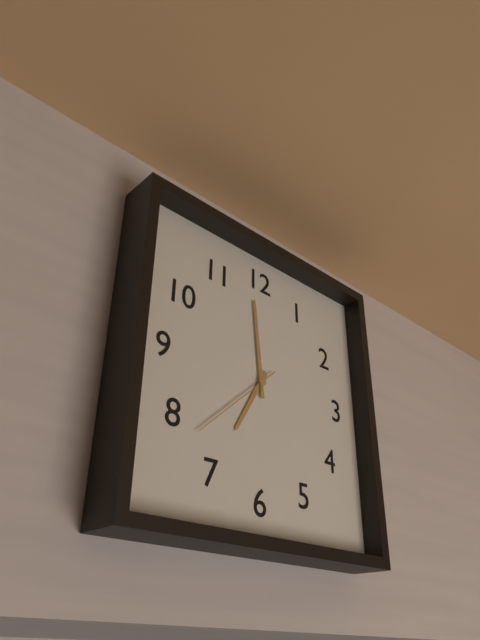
6:59:38
